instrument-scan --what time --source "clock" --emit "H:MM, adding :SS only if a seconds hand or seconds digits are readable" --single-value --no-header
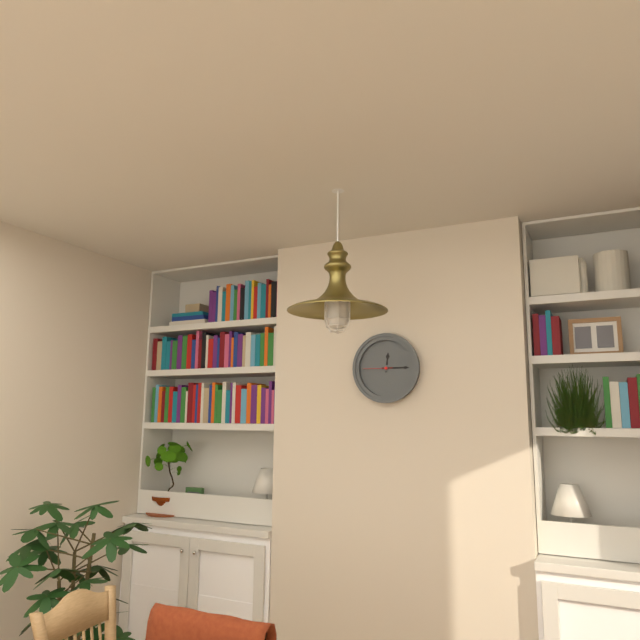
12:15
